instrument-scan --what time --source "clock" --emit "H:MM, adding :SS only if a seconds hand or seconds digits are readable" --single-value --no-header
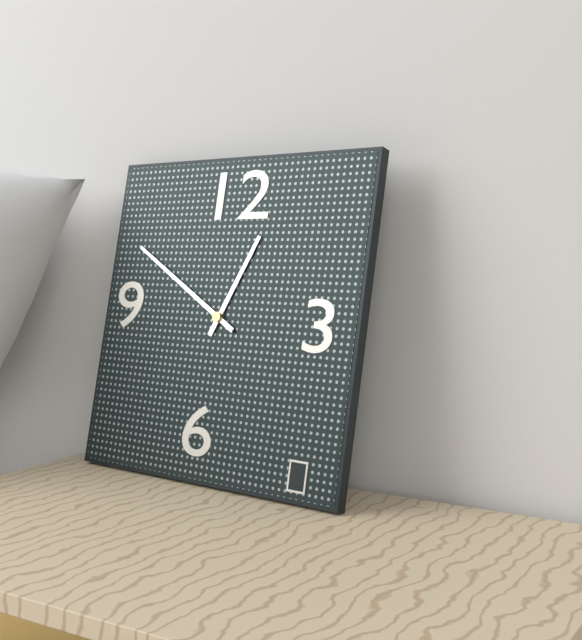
12:50
